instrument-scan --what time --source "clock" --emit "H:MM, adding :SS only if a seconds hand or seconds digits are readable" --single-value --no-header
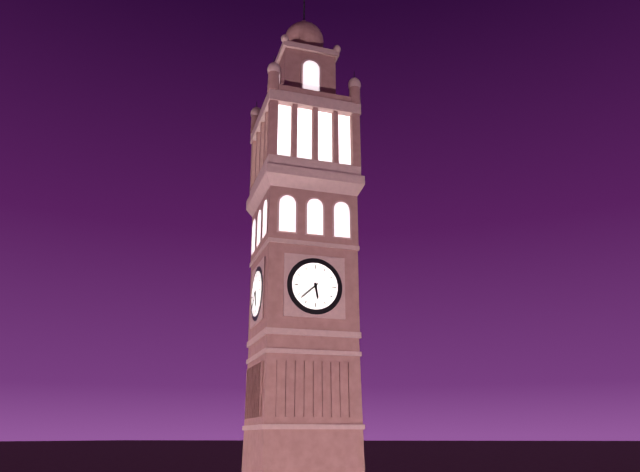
5:38
